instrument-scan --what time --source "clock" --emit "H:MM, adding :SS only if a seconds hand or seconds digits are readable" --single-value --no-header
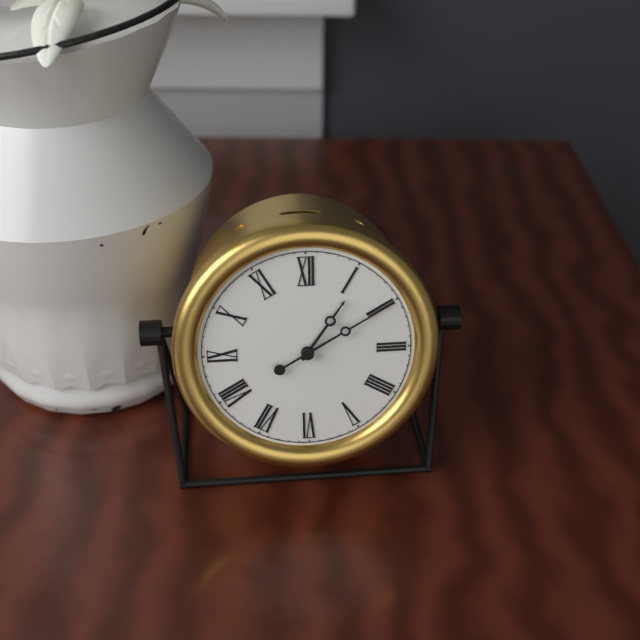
1:10
